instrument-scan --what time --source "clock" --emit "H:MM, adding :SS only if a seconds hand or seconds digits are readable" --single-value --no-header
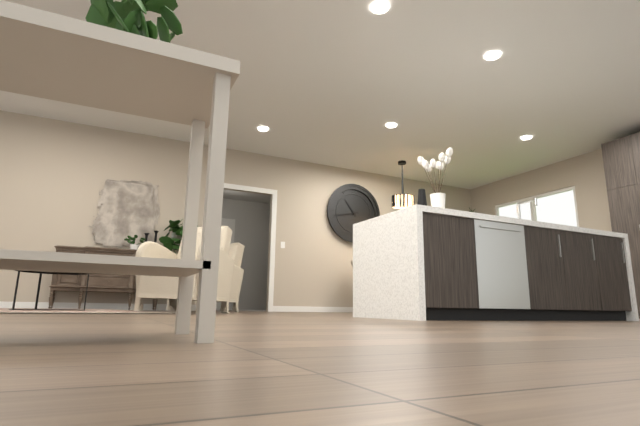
10:43
